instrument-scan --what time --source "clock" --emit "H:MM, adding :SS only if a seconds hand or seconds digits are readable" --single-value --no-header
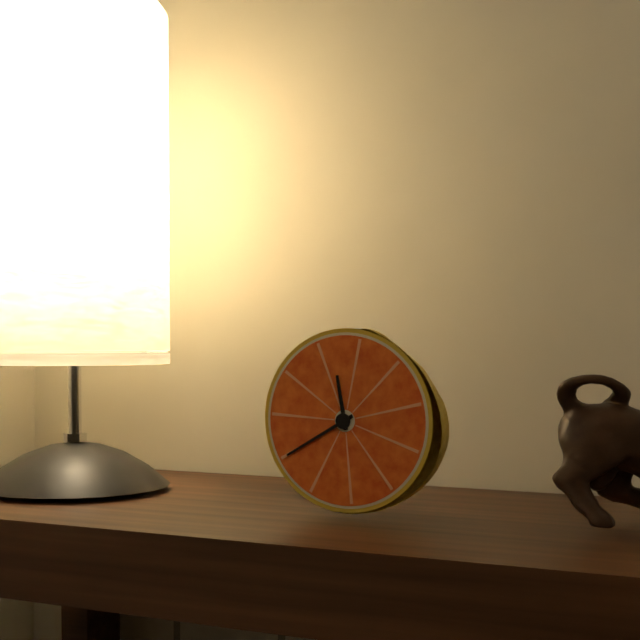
11:40
